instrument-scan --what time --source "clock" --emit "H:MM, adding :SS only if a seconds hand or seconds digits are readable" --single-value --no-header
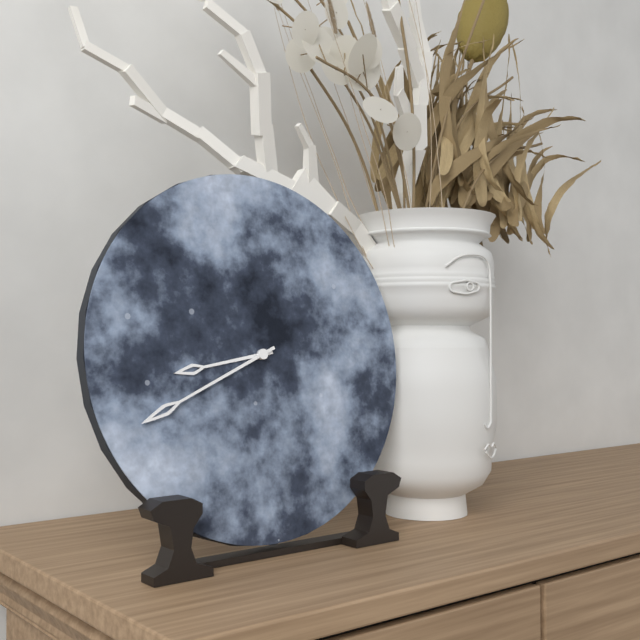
8:41
